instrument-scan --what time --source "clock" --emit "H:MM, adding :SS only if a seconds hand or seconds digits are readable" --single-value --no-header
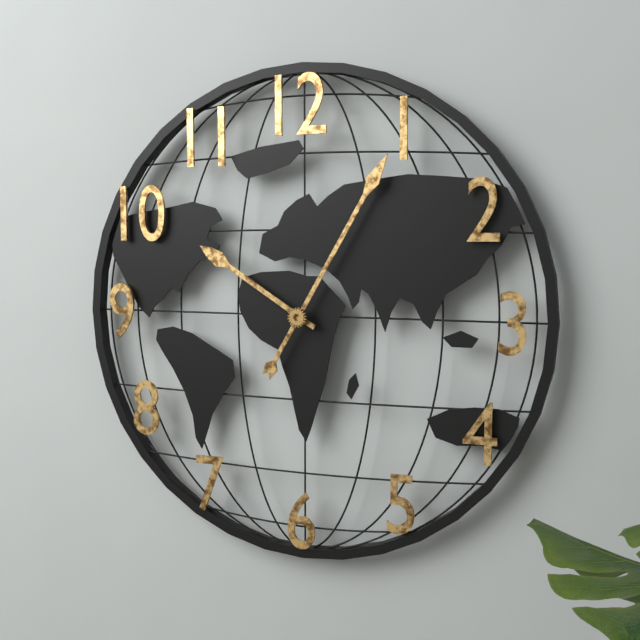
10:05
